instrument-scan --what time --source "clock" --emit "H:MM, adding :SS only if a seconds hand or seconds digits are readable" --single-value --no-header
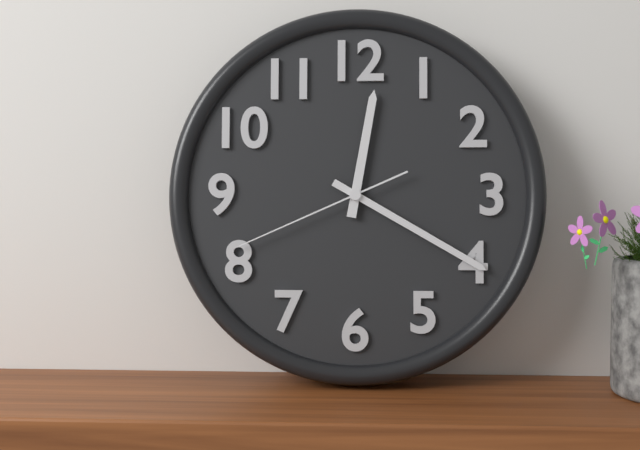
12:20:41
